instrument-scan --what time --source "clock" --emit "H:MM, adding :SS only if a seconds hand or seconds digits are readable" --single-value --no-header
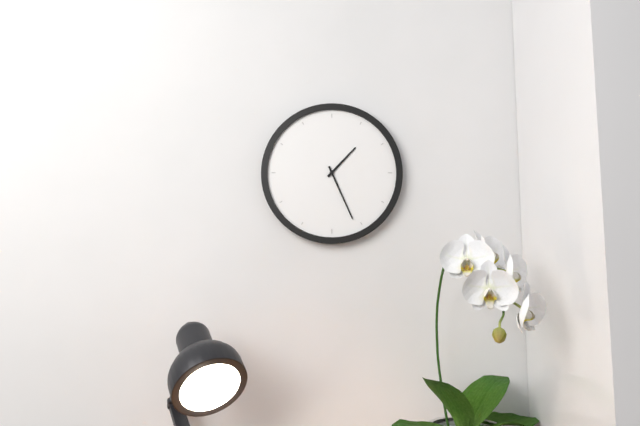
1:26
